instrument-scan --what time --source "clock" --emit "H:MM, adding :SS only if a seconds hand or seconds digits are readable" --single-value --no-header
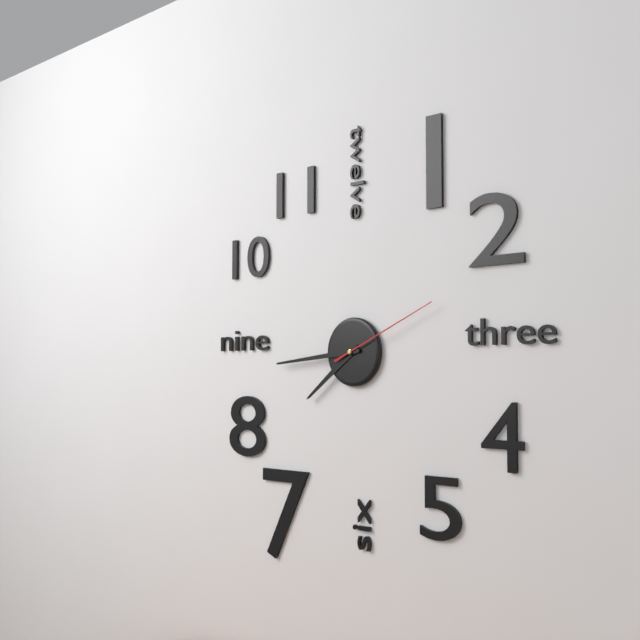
7:44:11
